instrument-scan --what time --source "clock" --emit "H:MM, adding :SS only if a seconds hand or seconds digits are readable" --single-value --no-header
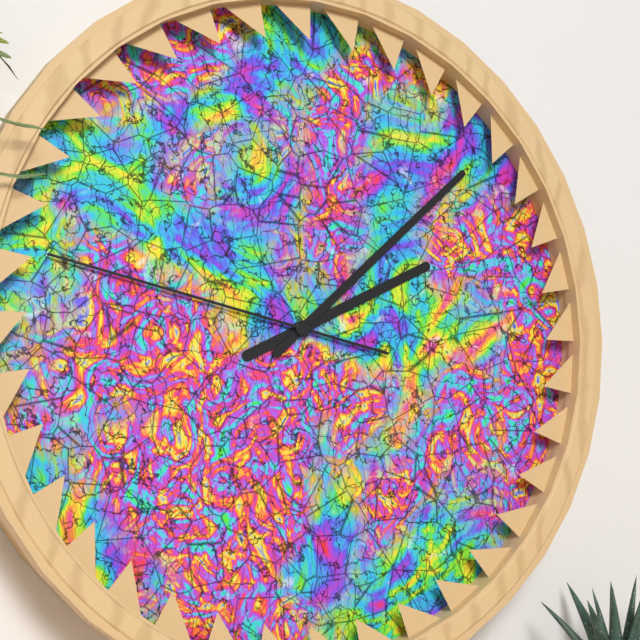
2:08:47
